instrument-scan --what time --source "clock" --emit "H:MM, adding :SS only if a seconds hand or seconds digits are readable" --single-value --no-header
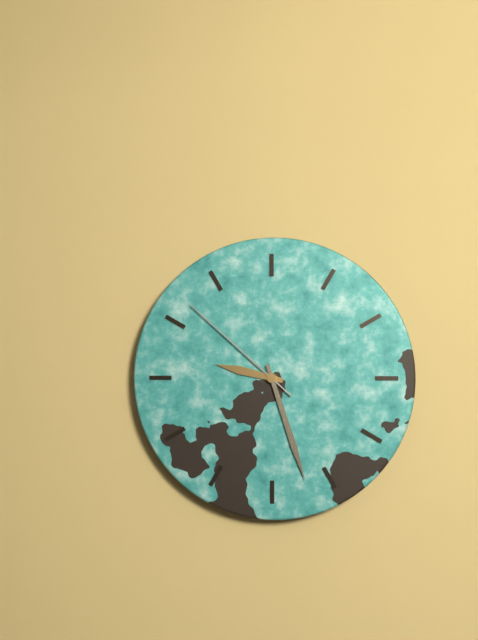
9:27:52
